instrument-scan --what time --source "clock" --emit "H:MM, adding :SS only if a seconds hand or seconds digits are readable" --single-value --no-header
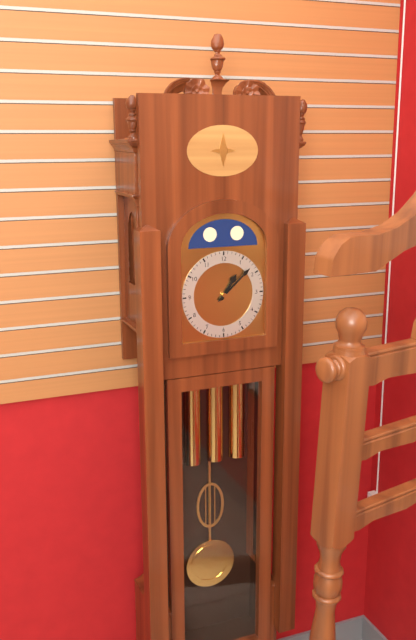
1:08
